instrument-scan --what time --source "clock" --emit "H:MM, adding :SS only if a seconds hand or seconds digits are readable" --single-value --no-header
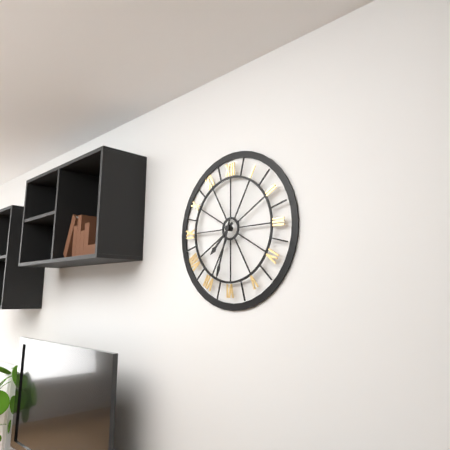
7:33
